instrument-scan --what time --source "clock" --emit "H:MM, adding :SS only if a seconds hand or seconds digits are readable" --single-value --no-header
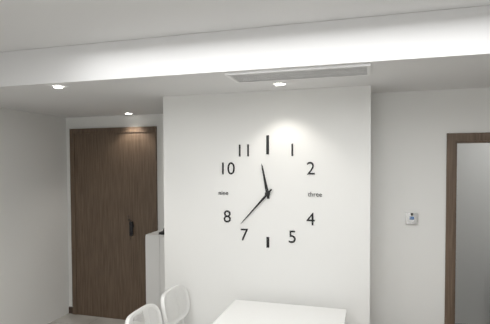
11:37
